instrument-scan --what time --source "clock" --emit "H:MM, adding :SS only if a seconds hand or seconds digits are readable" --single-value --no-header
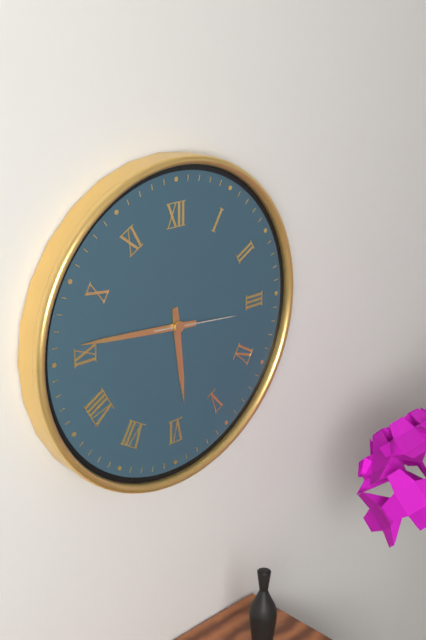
5:46:16
